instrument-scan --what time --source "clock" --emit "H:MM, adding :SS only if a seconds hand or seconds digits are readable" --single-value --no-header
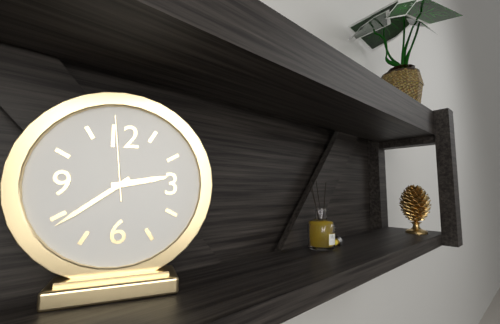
2:39:59
